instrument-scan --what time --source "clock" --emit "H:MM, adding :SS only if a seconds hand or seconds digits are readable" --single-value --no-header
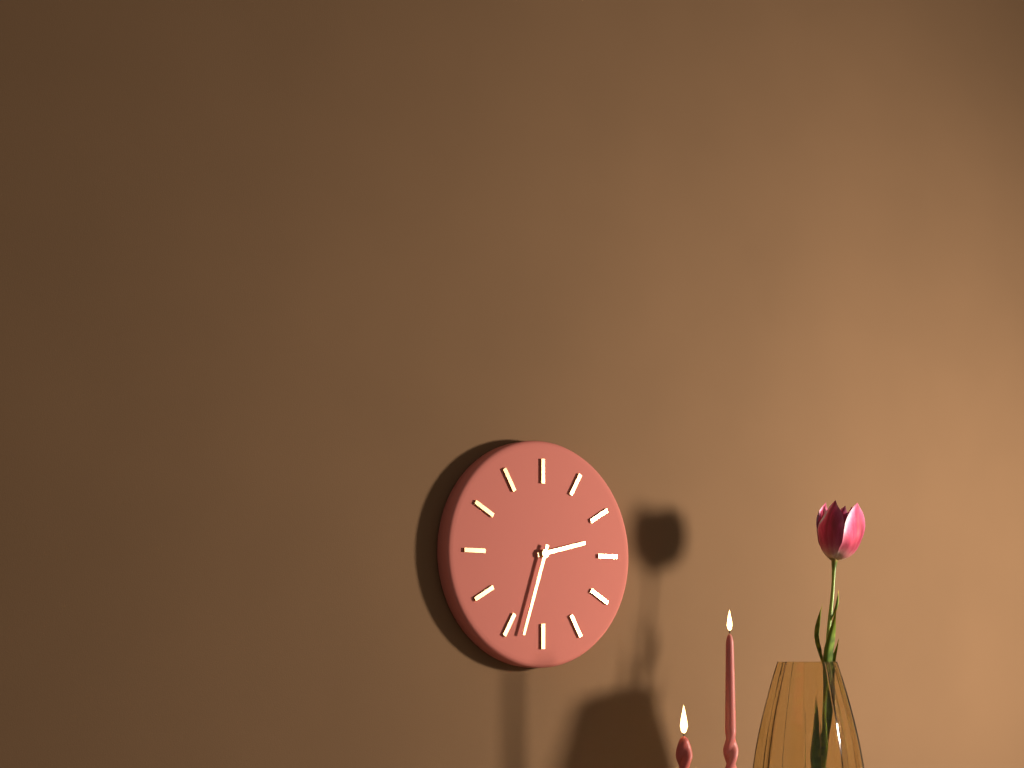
2:33
